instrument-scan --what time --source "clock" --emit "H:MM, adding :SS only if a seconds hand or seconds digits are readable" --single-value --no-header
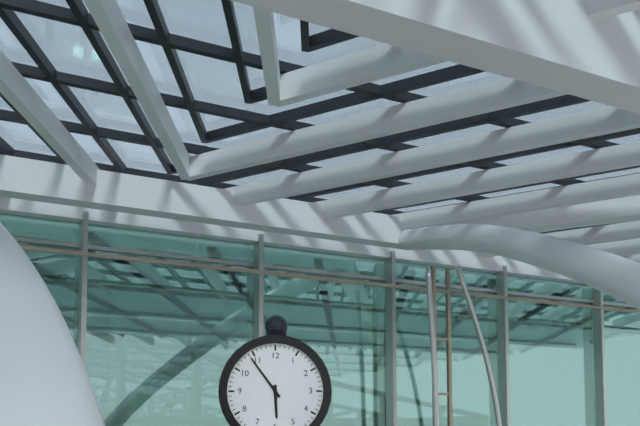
5:54
